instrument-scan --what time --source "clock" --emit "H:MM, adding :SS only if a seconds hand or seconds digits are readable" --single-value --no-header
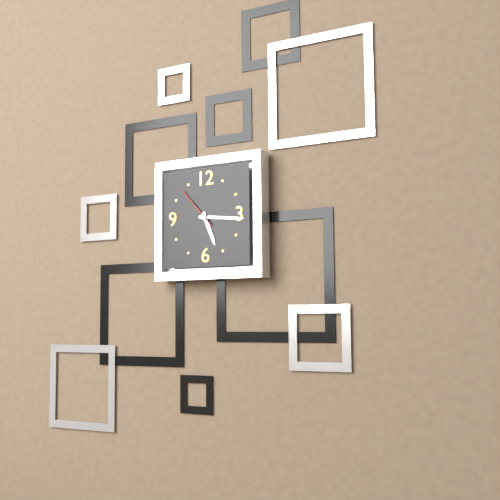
5:16
